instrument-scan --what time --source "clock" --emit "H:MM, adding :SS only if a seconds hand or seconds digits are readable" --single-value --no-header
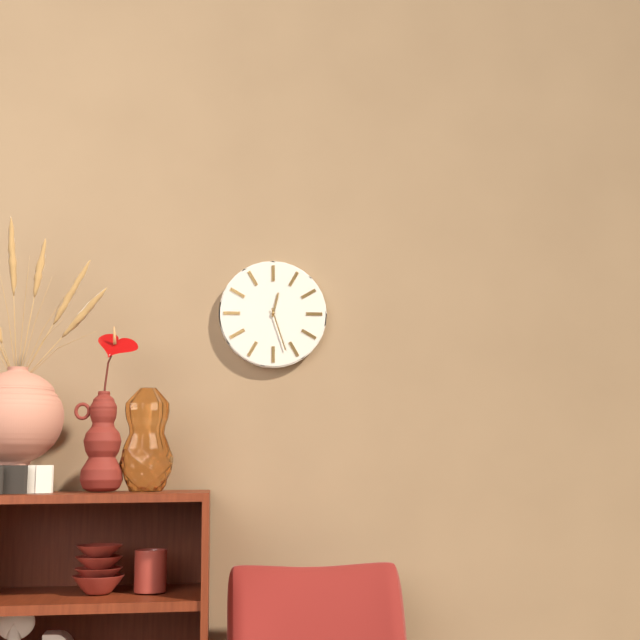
12:27
